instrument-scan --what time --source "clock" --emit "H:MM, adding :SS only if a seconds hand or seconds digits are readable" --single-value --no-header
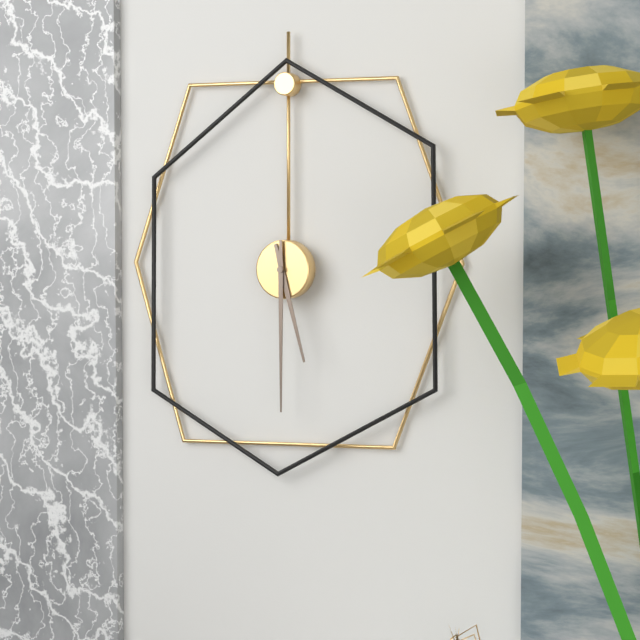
5:30
